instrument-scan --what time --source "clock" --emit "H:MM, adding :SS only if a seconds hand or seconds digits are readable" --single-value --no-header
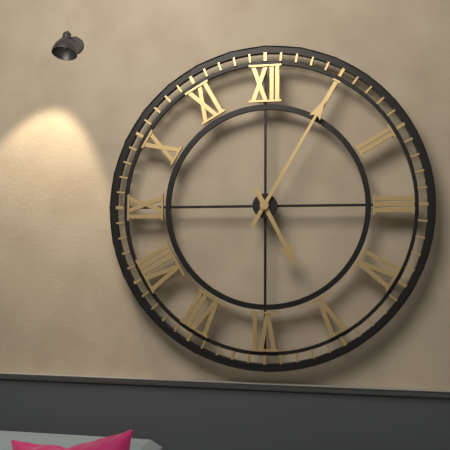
5:05
